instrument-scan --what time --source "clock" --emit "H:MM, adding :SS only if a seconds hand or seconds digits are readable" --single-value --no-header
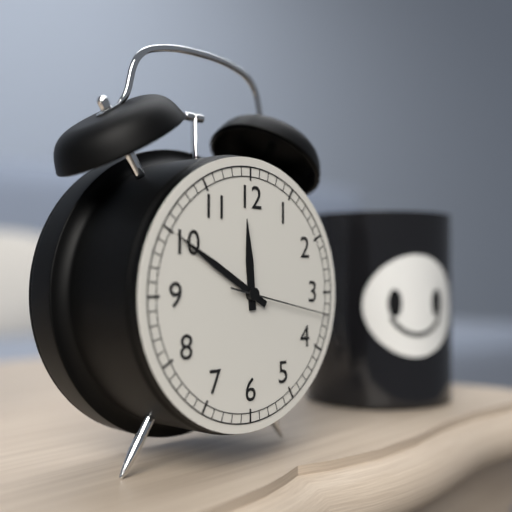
11:50:17
